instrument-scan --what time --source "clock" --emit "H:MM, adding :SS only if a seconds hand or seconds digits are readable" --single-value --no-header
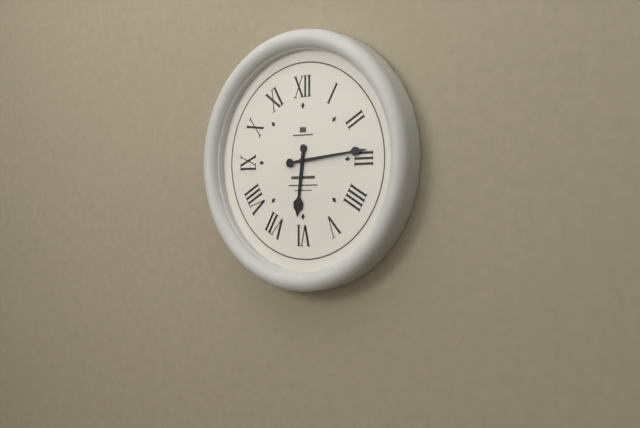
6:14
